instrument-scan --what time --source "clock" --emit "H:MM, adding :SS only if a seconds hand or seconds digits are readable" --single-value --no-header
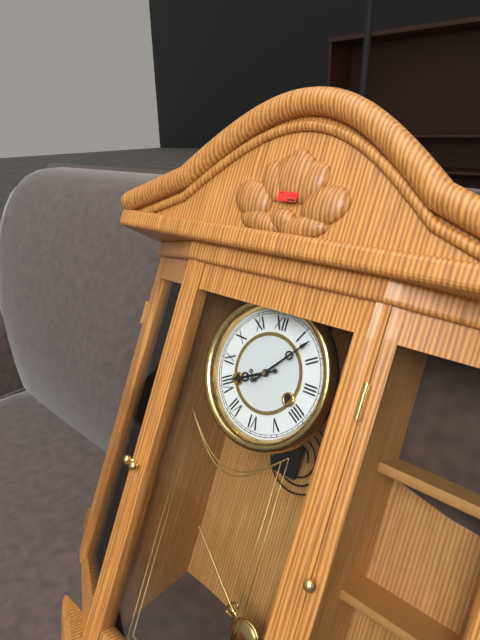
8:07
